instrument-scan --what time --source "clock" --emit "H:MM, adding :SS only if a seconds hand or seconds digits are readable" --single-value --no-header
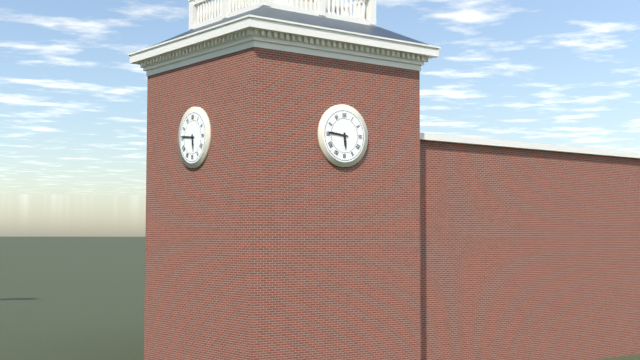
5:46
